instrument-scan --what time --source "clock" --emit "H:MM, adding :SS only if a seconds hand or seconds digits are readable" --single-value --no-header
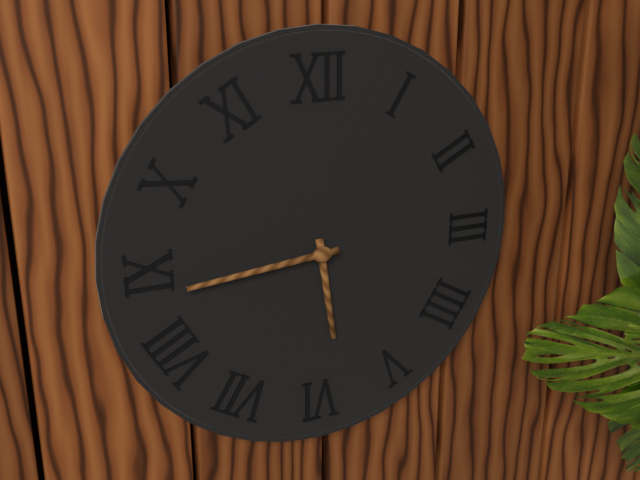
5:44
